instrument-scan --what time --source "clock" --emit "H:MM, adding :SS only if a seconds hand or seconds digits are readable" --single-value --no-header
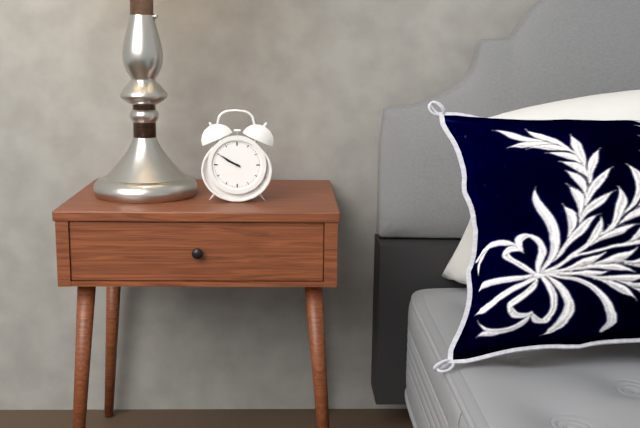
9:50
